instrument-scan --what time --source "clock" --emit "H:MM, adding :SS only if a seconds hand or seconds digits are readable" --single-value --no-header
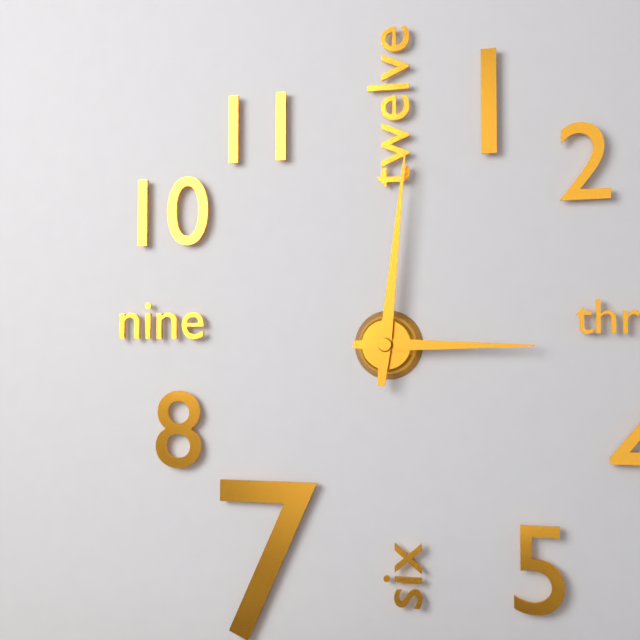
3:01
